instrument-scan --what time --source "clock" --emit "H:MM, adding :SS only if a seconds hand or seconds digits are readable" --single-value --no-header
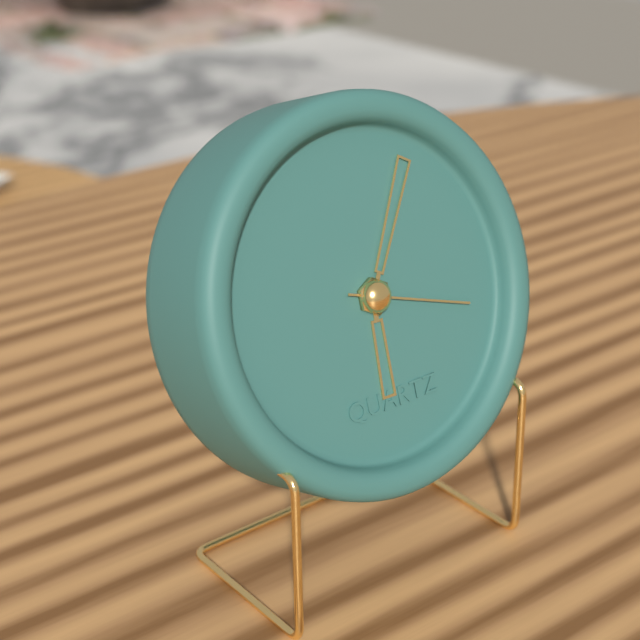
6:05:18
